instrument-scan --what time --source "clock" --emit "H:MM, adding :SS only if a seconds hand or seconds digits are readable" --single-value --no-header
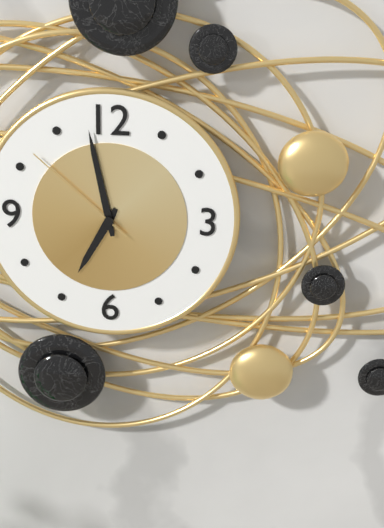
6:58:52
